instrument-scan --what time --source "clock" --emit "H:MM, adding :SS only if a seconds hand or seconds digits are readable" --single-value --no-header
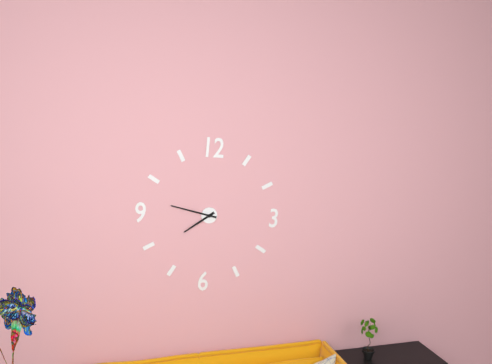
7:47
